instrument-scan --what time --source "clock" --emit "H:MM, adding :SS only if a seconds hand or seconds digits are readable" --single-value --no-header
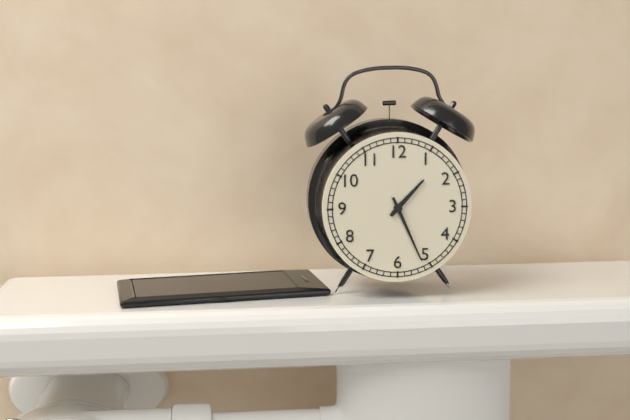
1:26
